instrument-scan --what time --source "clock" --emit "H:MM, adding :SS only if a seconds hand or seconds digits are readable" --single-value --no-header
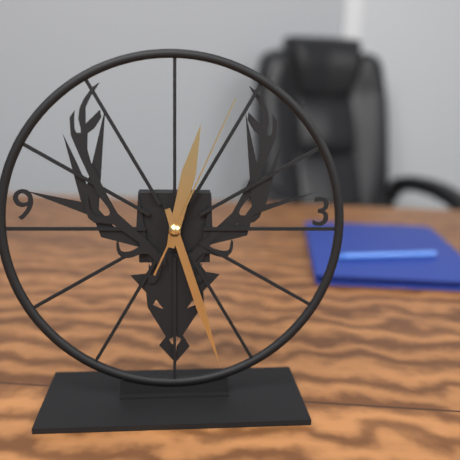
12:27:04
